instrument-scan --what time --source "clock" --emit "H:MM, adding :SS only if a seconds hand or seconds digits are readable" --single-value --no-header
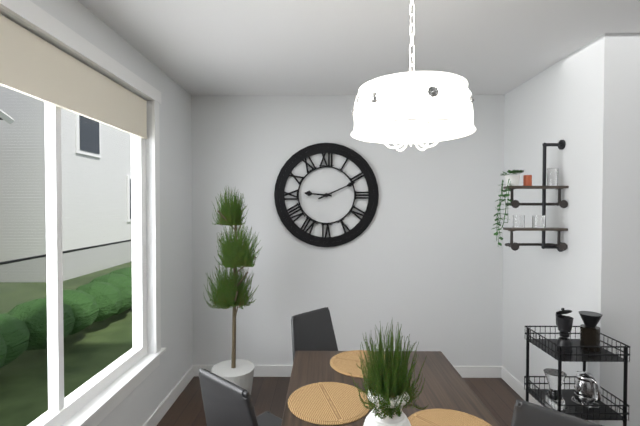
9:11
